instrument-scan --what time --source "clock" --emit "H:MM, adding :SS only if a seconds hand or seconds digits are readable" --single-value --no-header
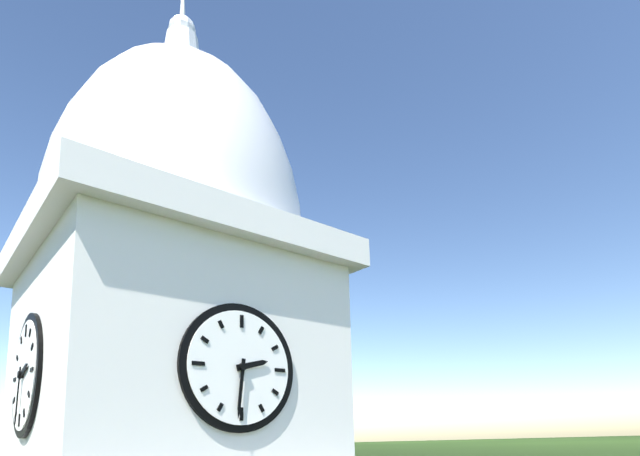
2:31
